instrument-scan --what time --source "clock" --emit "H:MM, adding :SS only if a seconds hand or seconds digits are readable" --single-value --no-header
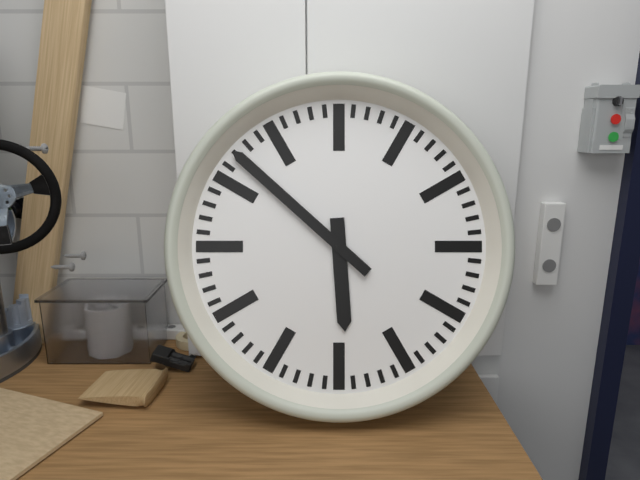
5:52
